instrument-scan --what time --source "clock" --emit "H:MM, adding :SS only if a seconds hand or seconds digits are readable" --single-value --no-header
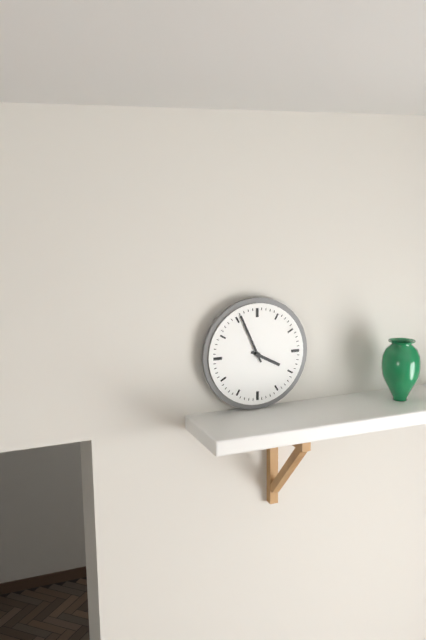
3:56
